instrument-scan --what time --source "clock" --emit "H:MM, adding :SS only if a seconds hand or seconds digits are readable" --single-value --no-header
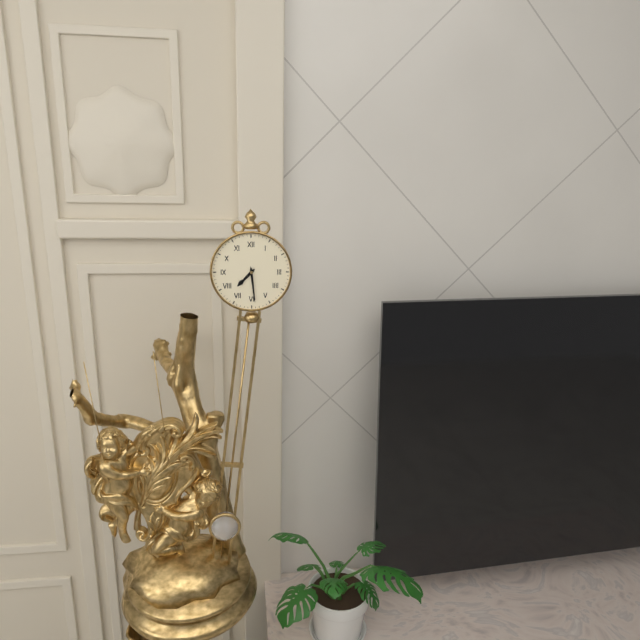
7:29
